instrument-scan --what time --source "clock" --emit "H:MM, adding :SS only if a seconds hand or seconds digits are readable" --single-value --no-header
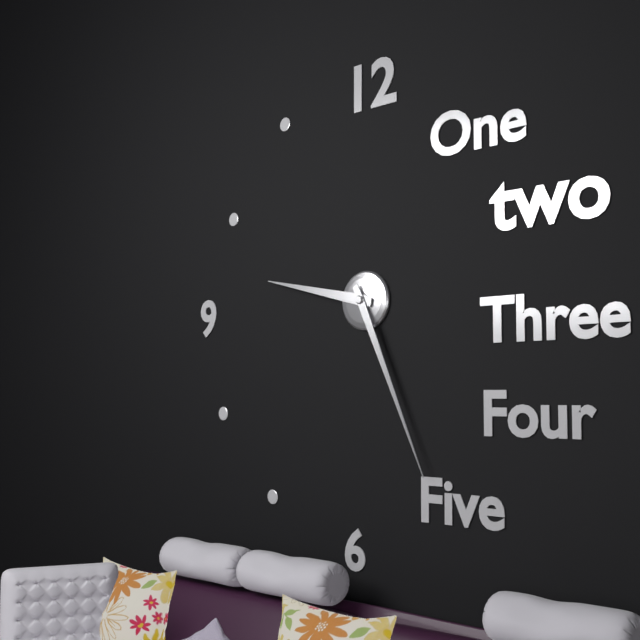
9:26
